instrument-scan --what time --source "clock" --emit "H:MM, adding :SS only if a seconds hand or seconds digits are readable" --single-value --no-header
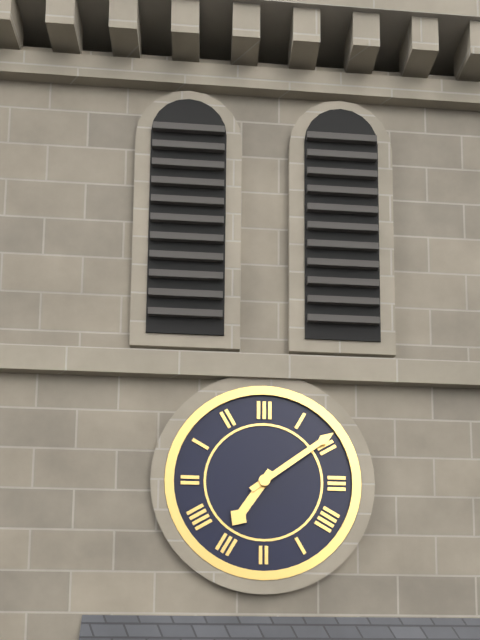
7:09
